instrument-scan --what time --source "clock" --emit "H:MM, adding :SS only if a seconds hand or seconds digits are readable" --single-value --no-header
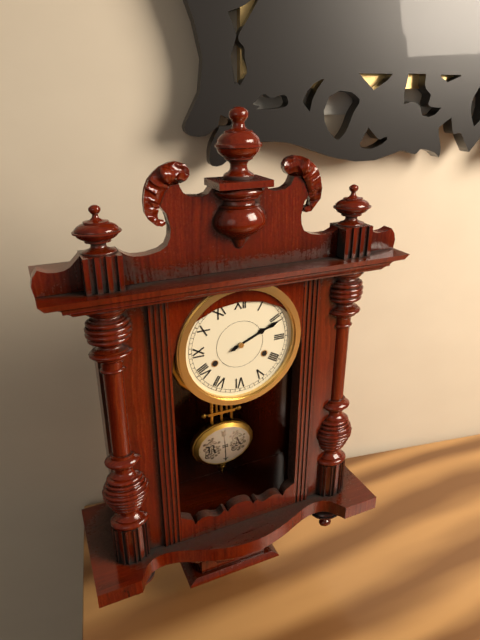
2:11
